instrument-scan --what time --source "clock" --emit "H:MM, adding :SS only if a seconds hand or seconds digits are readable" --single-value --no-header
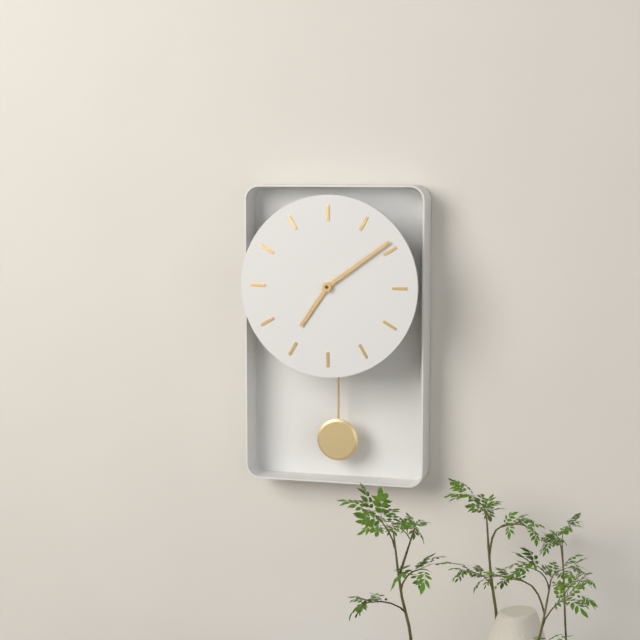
7:09
